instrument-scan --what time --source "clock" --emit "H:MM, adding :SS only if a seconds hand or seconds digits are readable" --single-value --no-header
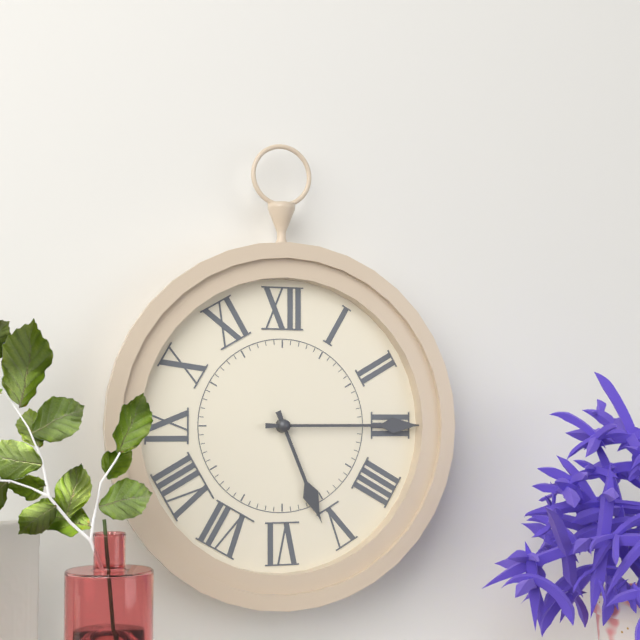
5:15
